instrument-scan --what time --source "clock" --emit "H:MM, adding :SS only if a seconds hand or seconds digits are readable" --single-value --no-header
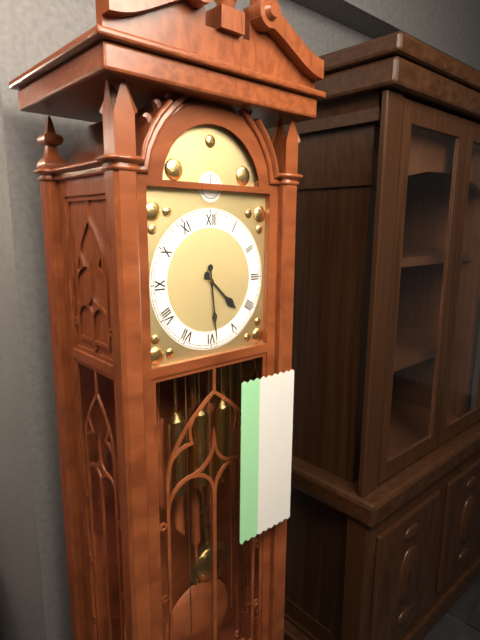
4:29
